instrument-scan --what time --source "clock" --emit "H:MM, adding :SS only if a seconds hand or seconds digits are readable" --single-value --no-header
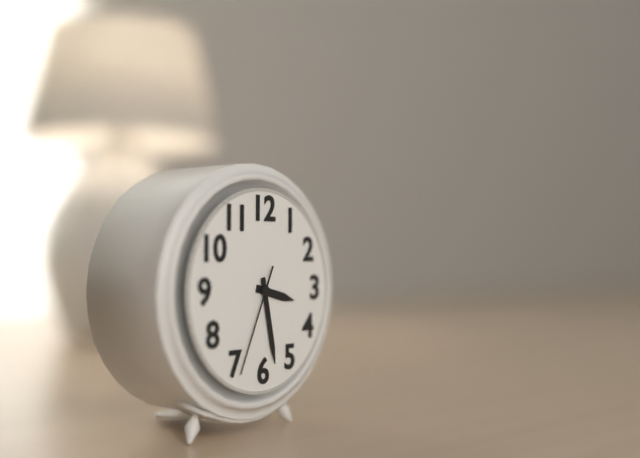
3:28:34
